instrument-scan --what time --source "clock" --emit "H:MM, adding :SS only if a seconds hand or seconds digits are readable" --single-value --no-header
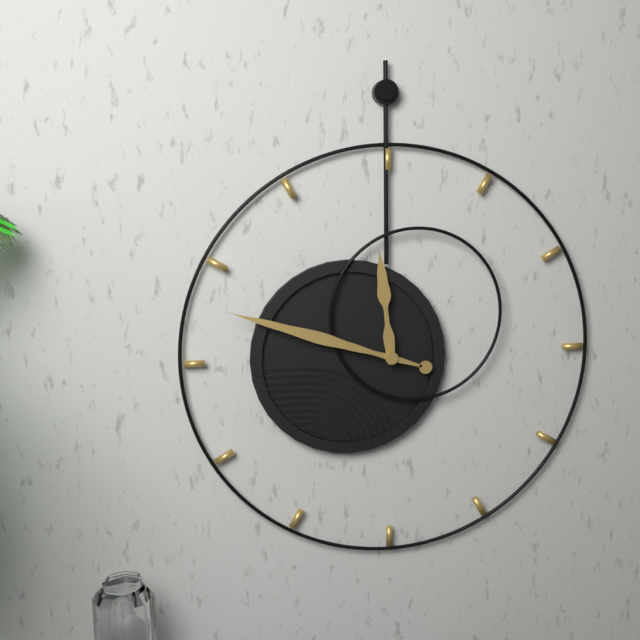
11:48
